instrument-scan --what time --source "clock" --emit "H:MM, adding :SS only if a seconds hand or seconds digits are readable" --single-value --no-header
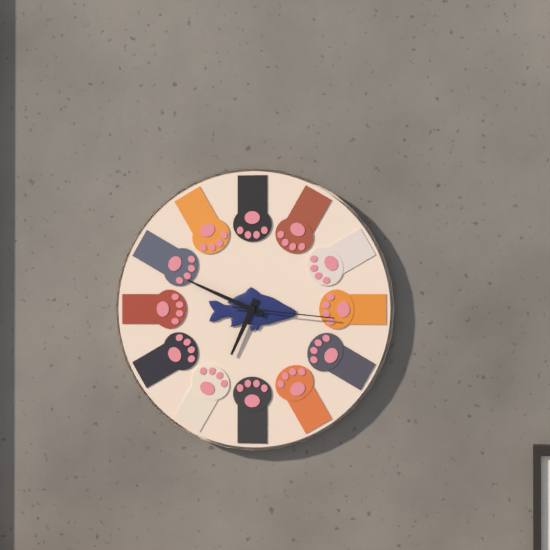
6:49:16
